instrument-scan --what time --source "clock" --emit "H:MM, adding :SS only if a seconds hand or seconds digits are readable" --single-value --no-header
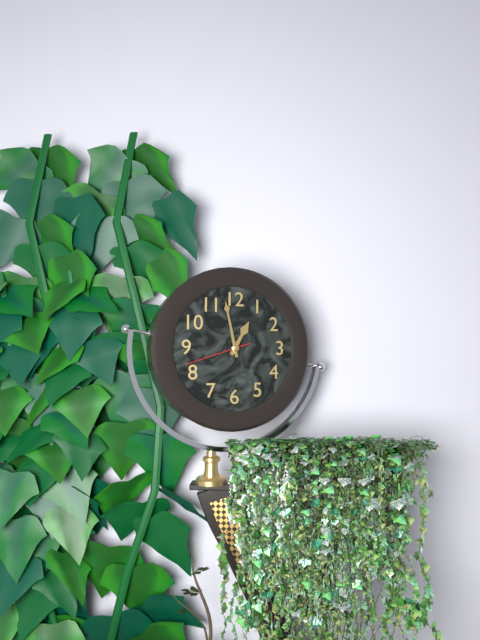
12:58:42
